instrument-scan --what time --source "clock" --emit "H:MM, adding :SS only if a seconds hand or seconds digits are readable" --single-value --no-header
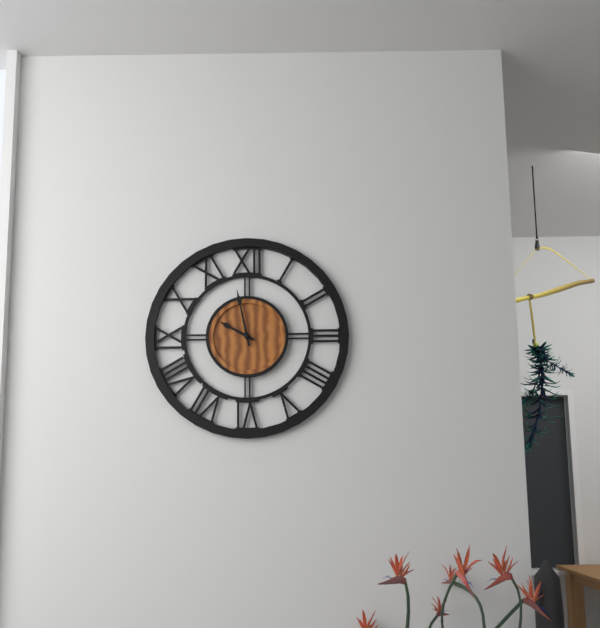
9:58
